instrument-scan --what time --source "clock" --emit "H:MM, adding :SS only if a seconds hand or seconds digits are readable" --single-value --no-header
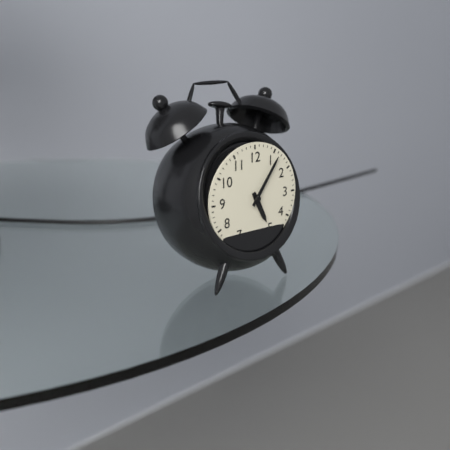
5:06
